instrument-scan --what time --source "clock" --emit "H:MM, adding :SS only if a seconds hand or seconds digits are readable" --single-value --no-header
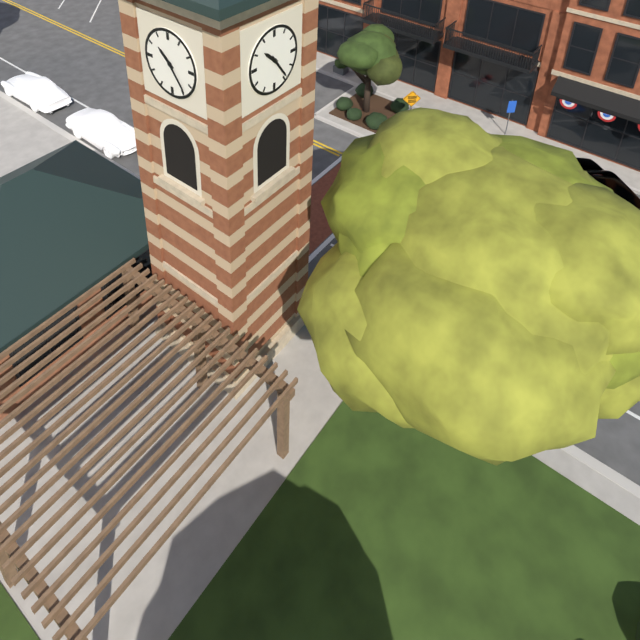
10:24
